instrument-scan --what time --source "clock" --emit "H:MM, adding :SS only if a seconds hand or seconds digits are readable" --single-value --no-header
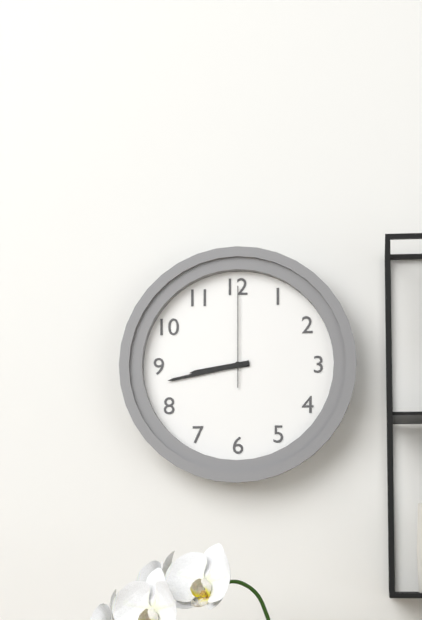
8:43:00
